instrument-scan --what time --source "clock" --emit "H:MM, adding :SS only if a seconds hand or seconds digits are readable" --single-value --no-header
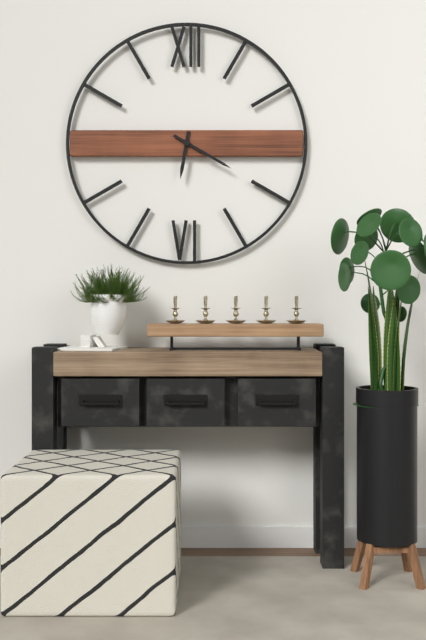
6:20
